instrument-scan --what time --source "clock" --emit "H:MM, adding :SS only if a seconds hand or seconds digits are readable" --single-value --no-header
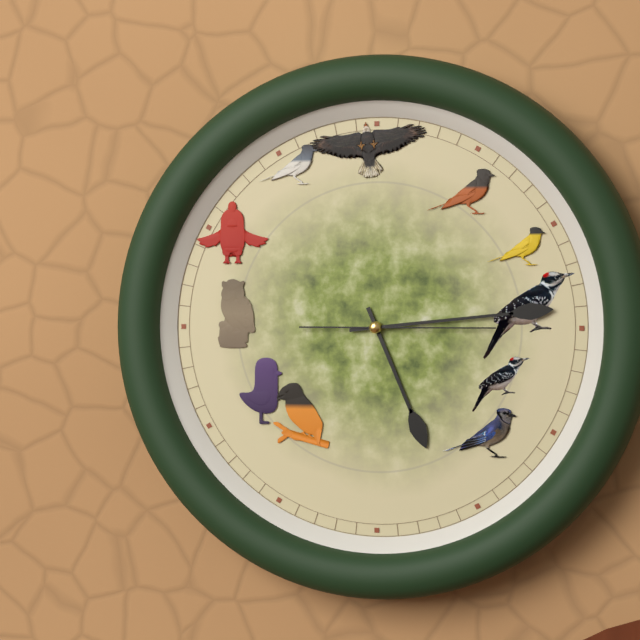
5:14:15
